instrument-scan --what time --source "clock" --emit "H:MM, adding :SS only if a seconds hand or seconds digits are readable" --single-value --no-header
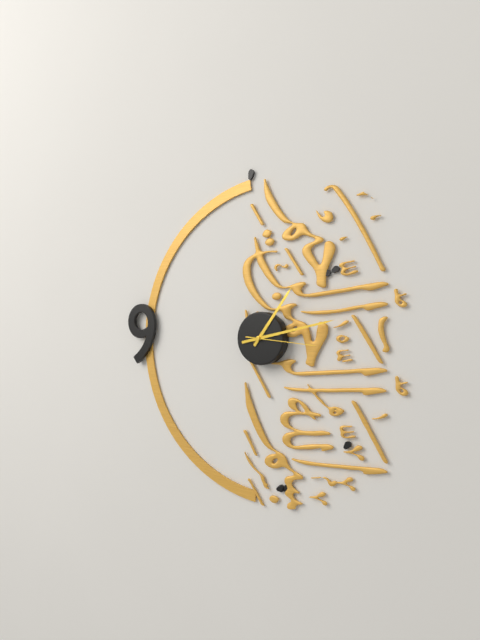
1:13:16
